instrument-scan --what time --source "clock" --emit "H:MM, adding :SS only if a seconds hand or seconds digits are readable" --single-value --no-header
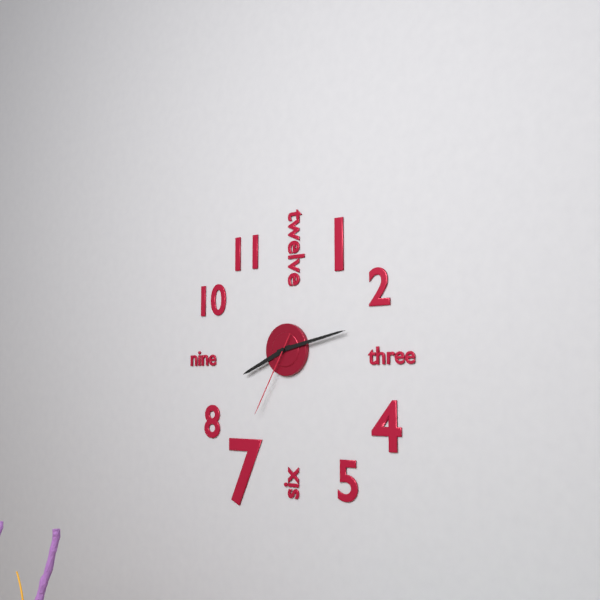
8:13:35
